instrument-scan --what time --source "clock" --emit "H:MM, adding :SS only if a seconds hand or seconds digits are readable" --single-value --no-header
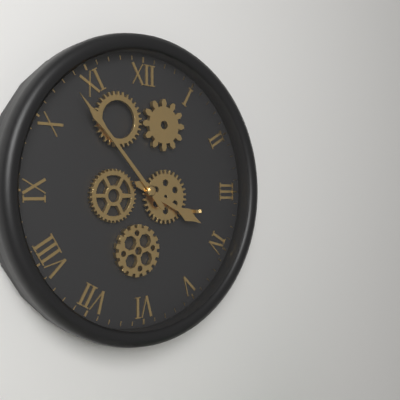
3:53
